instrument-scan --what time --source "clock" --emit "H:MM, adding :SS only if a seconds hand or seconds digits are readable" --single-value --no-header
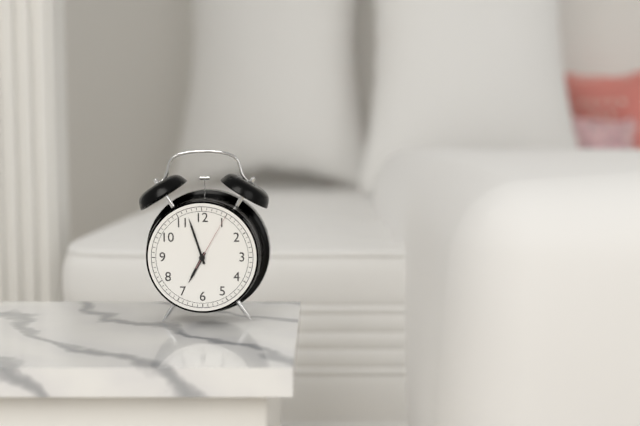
6:57:05
